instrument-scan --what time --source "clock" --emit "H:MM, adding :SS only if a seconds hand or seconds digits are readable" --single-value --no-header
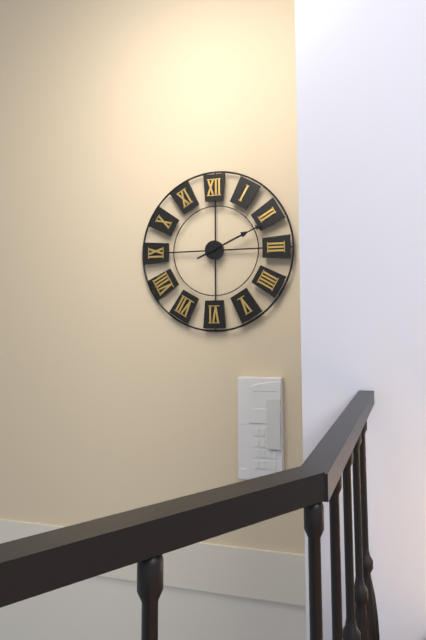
2:11
